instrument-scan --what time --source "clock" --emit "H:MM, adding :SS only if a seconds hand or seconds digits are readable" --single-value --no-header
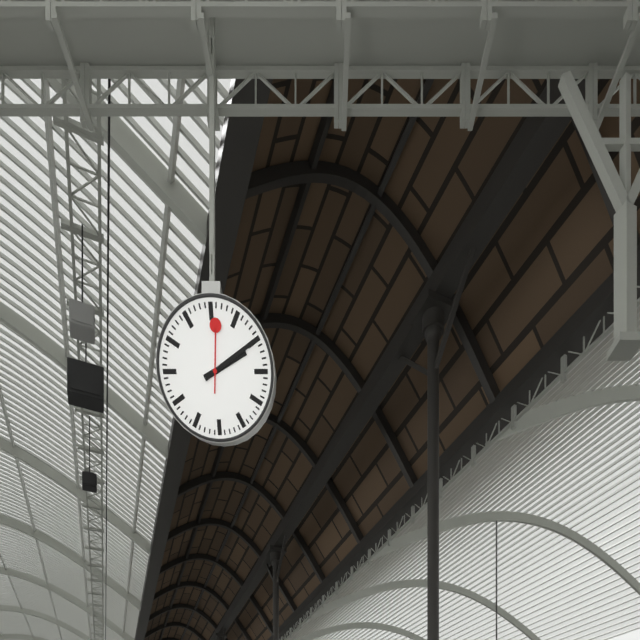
2:10:01
